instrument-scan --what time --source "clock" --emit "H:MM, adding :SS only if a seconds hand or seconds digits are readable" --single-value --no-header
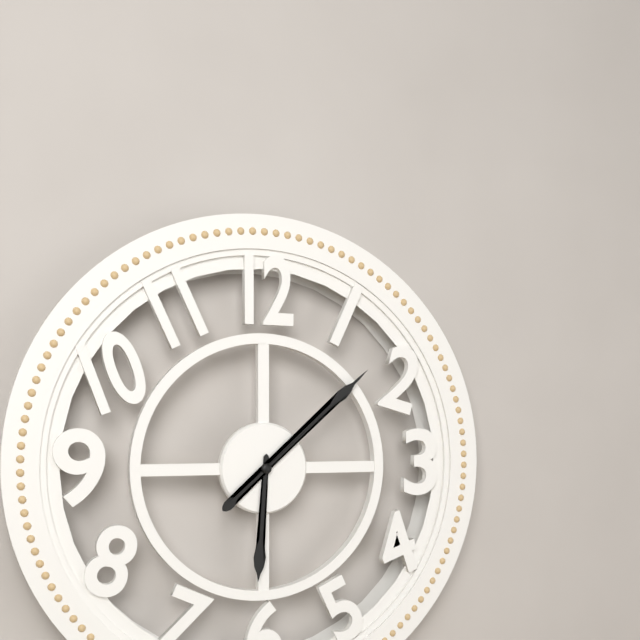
6:08
